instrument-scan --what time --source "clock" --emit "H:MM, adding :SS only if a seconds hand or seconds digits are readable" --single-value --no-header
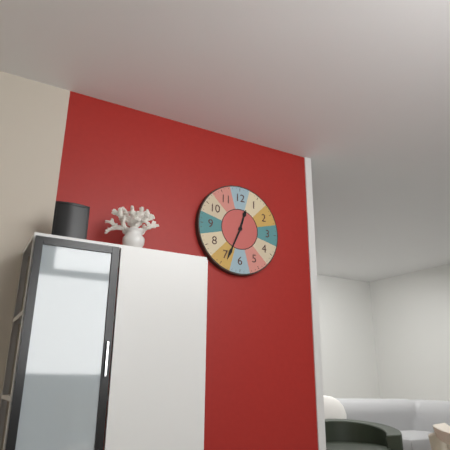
12:34
